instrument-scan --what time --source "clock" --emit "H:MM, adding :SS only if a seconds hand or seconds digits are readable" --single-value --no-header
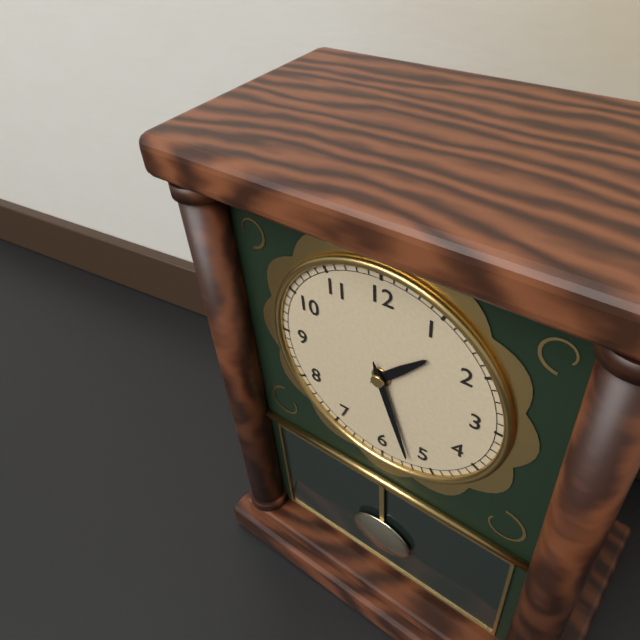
1:27
